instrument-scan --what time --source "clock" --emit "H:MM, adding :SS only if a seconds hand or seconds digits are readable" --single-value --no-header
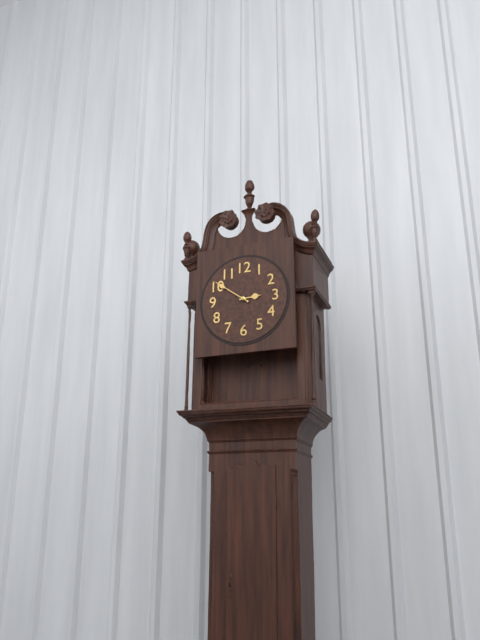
2:51
